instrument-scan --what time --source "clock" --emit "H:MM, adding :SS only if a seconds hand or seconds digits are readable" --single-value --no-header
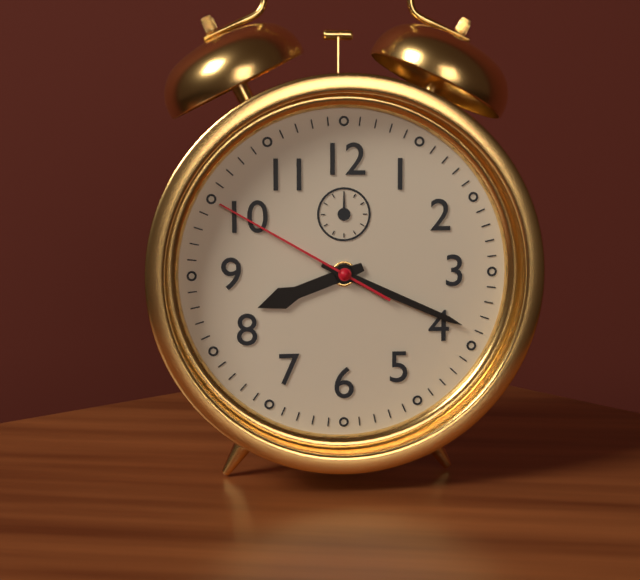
8:19:50
